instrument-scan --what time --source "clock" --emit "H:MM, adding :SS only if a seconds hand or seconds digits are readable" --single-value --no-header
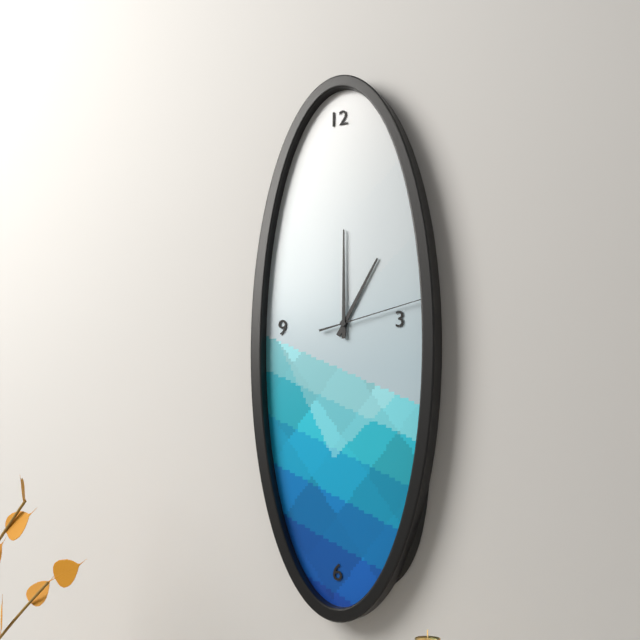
1:00:13
